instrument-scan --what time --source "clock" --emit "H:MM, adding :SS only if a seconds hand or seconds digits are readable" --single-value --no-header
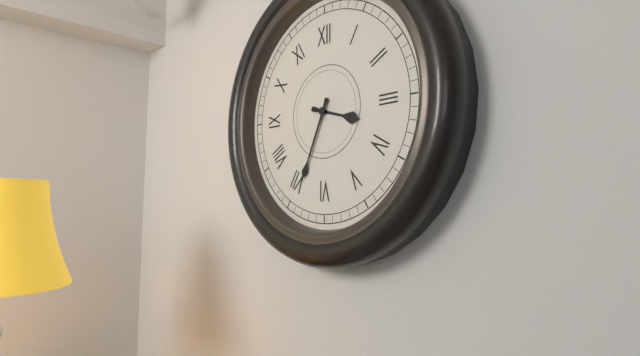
3:34
